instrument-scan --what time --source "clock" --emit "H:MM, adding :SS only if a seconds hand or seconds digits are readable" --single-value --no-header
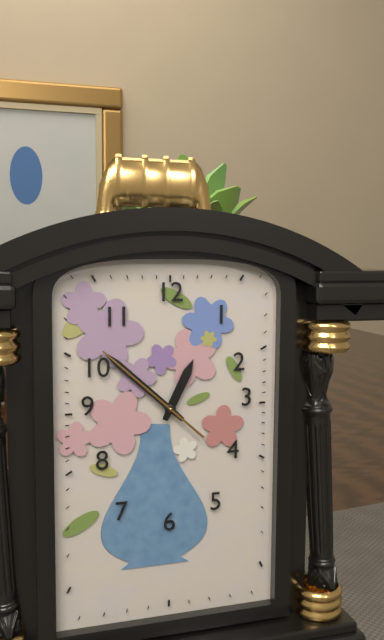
12:52:52
